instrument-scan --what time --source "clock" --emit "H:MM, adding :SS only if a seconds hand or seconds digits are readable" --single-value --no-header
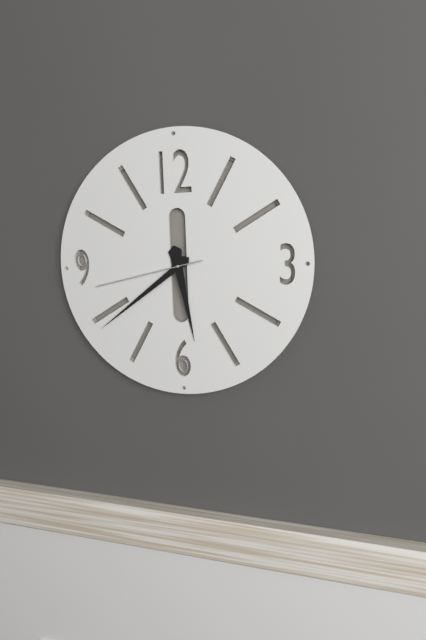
5:39:43
